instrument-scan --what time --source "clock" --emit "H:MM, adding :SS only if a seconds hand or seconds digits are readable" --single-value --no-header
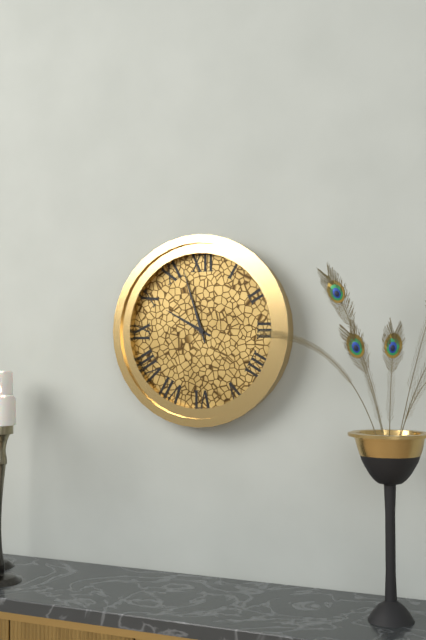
9:57
